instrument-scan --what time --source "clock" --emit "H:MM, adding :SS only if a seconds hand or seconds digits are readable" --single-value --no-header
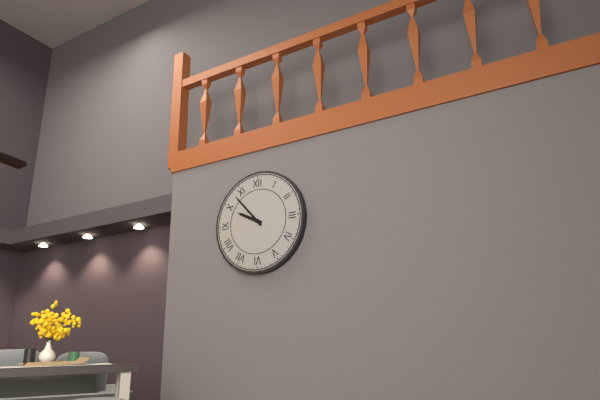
9:53
